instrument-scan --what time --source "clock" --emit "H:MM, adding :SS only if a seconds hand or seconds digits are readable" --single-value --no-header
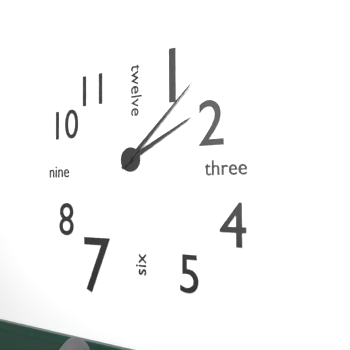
2:08
